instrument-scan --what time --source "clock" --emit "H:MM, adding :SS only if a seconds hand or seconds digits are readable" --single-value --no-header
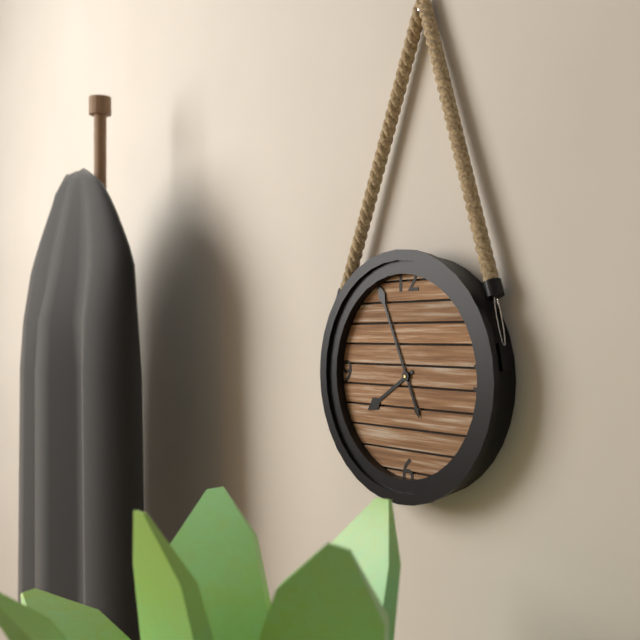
7:56
